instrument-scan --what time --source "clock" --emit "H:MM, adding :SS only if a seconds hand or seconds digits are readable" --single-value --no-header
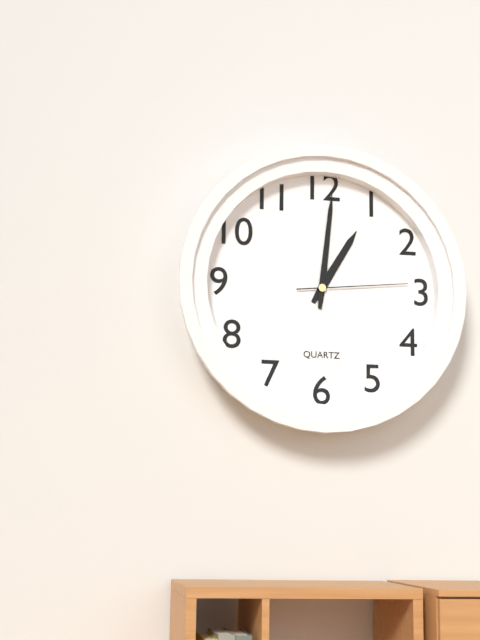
1:01:14
